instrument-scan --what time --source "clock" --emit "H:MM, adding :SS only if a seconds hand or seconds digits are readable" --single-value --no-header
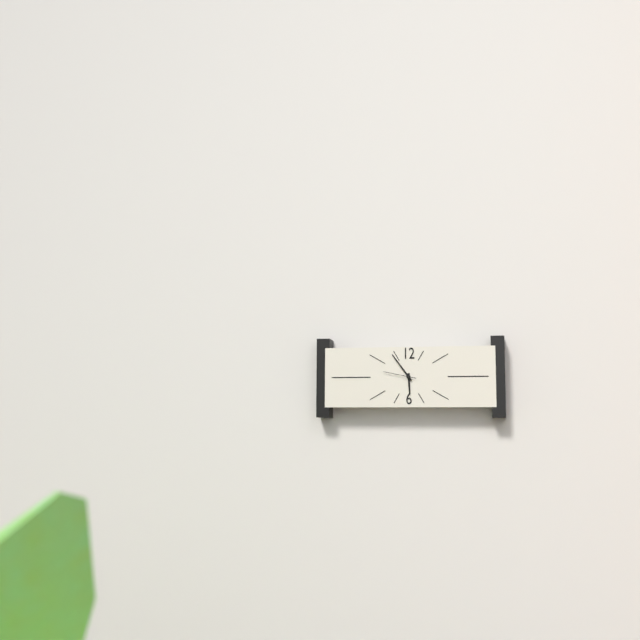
5:54
